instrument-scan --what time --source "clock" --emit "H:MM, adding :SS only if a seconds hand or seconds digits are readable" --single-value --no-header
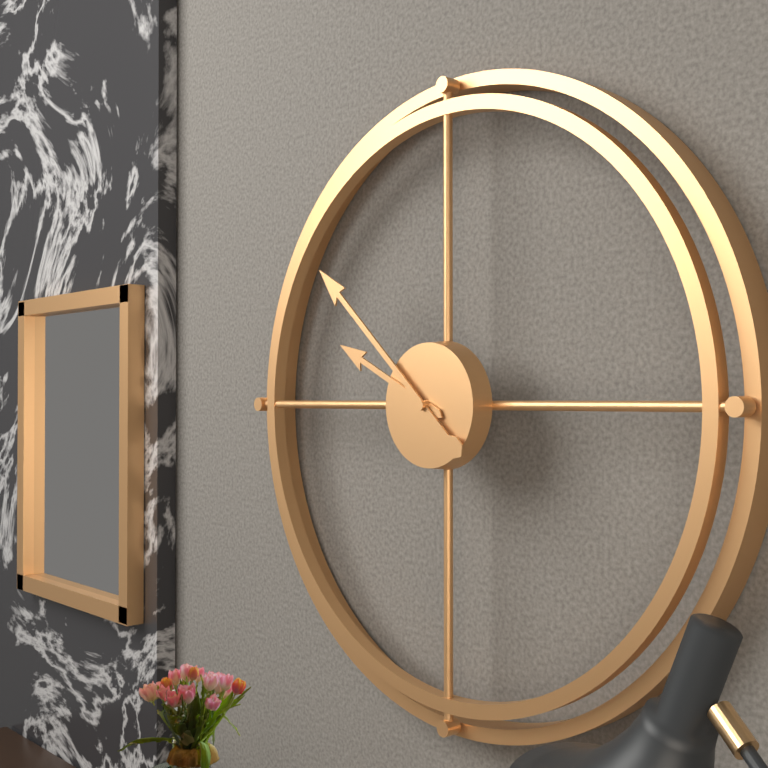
9:52
